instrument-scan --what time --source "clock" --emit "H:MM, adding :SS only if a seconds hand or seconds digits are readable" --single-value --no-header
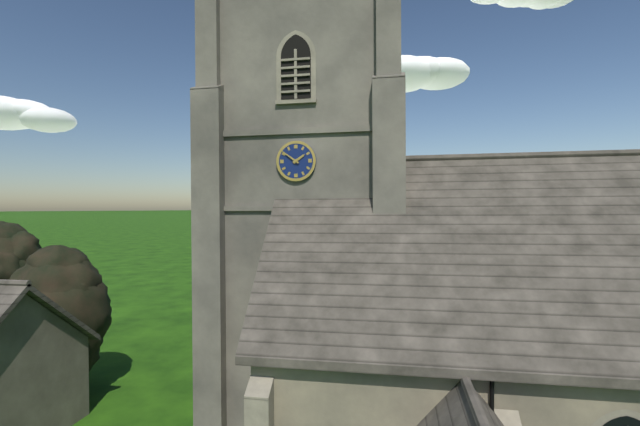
1:51
